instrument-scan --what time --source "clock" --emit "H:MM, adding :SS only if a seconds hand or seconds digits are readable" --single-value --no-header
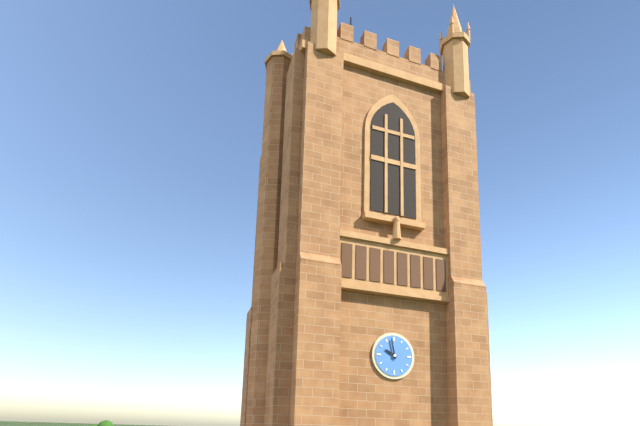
9:58
